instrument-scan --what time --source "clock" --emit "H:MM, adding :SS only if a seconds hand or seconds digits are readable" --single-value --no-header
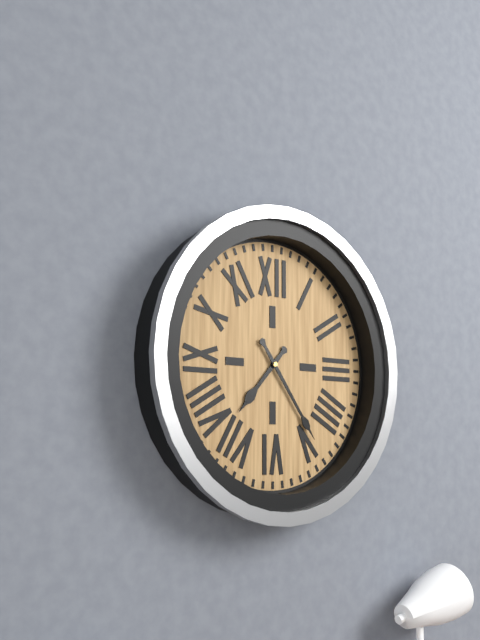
7:24
